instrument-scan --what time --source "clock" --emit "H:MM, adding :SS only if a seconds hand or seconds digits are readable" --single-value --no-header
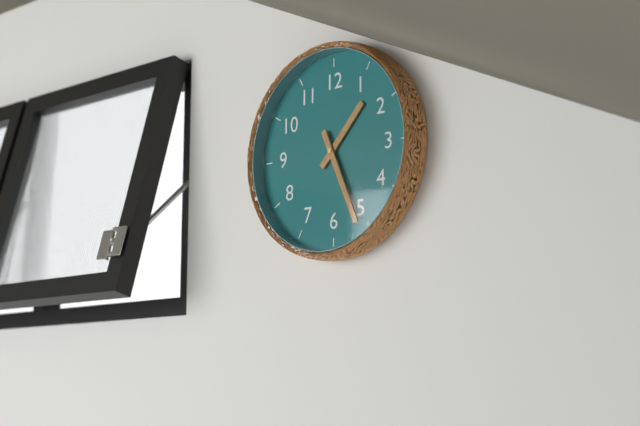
1:26
